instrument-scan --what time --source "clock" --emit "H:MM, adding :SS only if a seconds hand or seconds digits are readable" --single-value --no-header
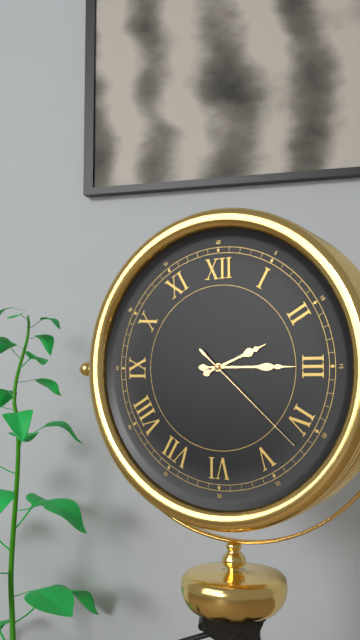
2:15:22
